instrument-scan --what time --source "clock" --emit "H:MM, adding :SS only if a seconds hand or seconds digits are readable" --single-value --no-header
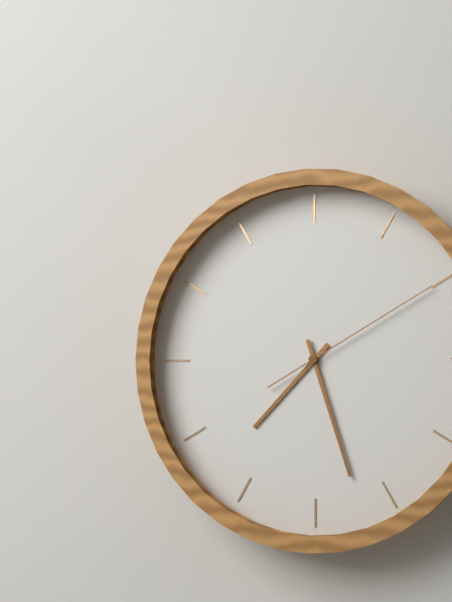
7:27:10
